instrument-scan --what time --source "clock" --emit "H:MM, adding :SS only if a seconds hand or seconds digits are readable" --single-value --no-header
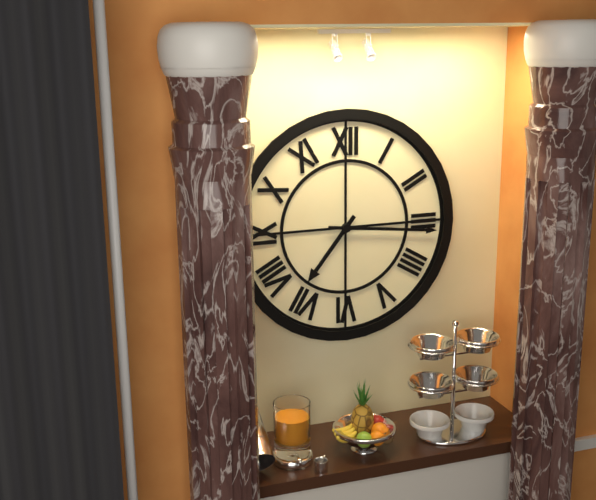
7:16
